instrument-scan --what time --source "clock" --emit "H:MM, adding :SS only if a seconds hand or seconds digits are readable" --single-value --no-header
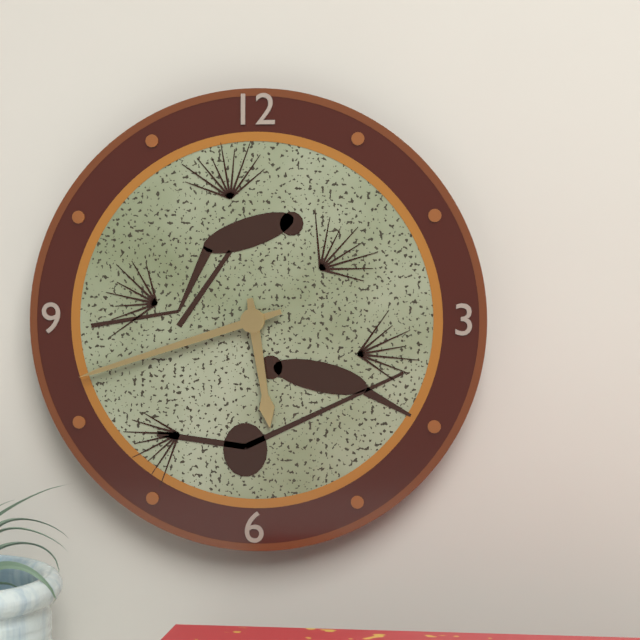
5:42
